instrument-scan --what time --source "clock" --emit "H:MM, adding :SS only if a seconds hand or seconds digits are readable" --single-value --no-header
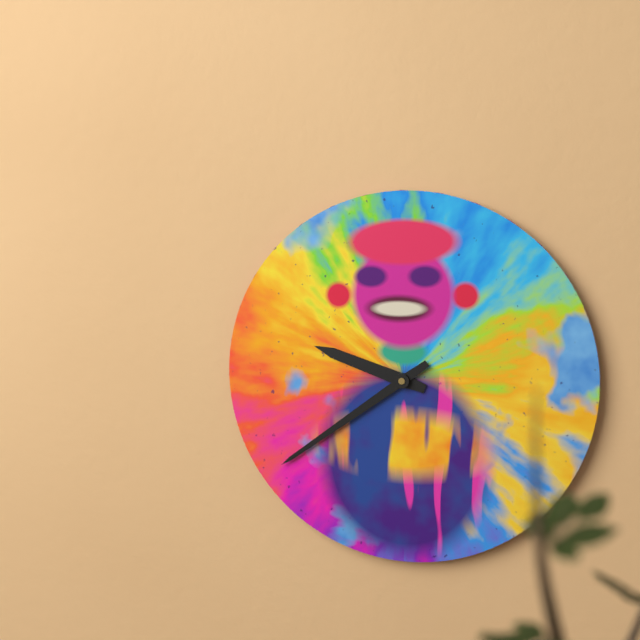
9:39
